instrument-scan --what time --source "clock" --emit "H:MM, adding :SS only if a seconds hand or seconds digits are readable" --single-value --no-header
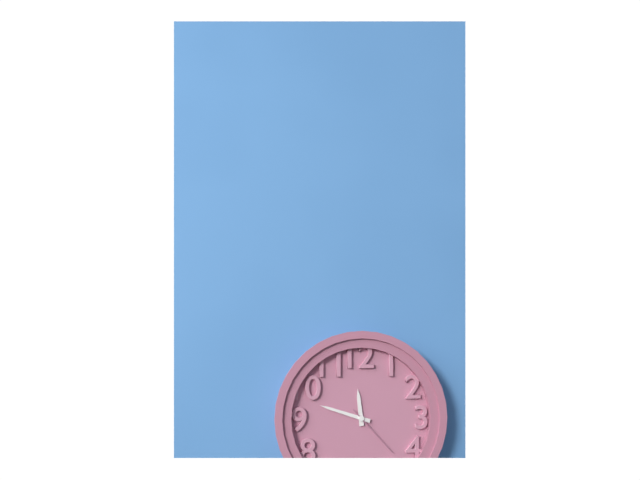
11:48:23
